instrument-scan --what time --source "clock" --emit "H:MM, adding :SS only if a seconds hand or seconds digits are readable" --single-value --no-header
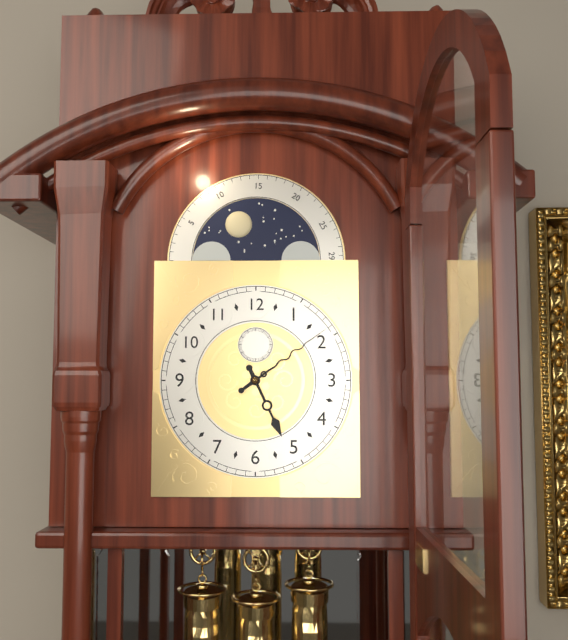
5:09
